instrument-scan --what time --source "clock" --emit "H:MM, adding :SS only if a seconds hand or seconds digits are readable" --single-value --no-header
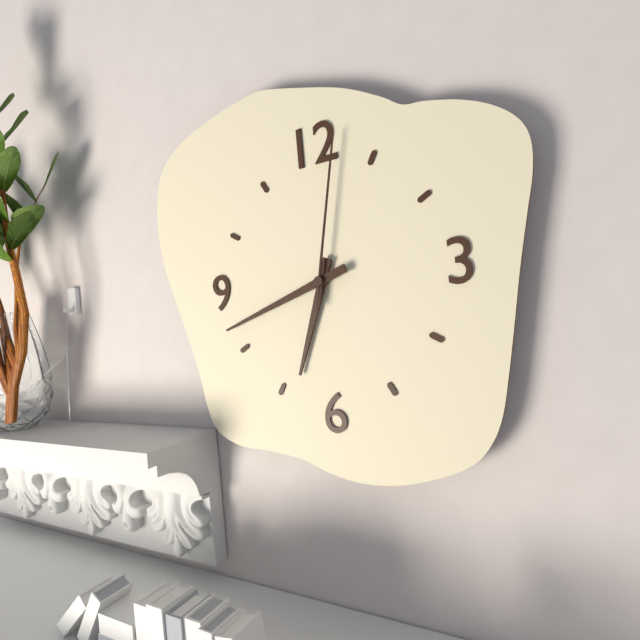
6:42:02
